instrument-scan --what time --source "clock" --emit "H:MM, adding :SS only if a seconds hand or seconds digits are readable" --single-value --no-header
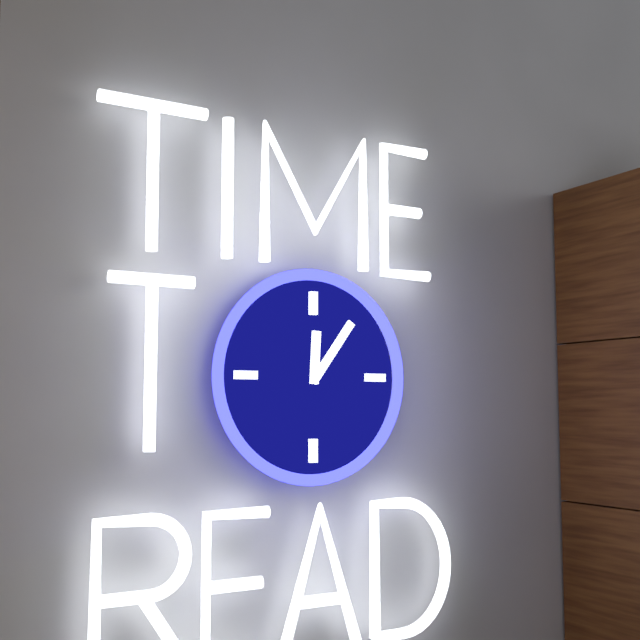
12:06
